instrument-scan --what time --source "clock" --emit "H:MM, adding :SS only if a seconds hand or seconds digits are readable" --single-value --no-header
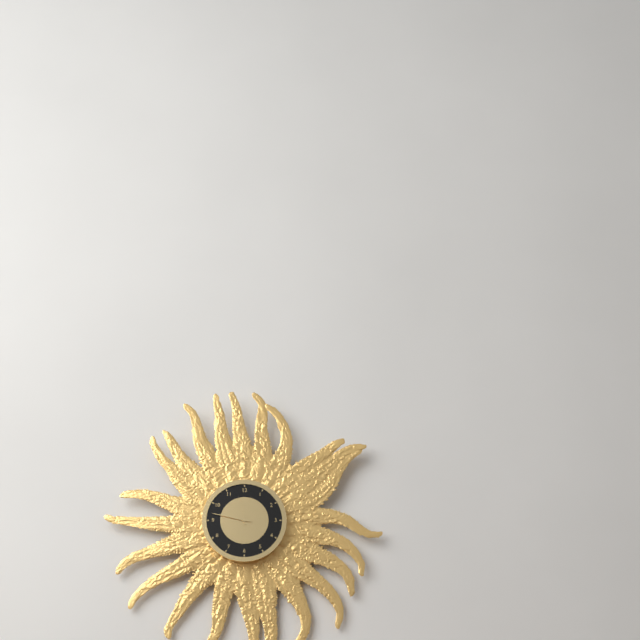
11:47
